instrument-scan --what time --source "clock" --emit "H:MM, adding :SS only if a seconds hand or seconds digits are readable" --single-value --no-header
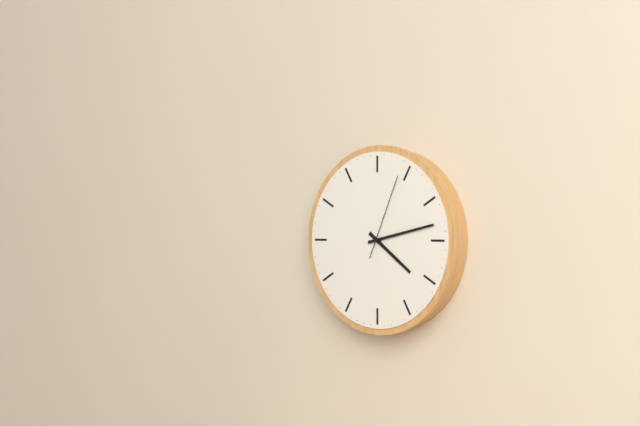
4:13:04
